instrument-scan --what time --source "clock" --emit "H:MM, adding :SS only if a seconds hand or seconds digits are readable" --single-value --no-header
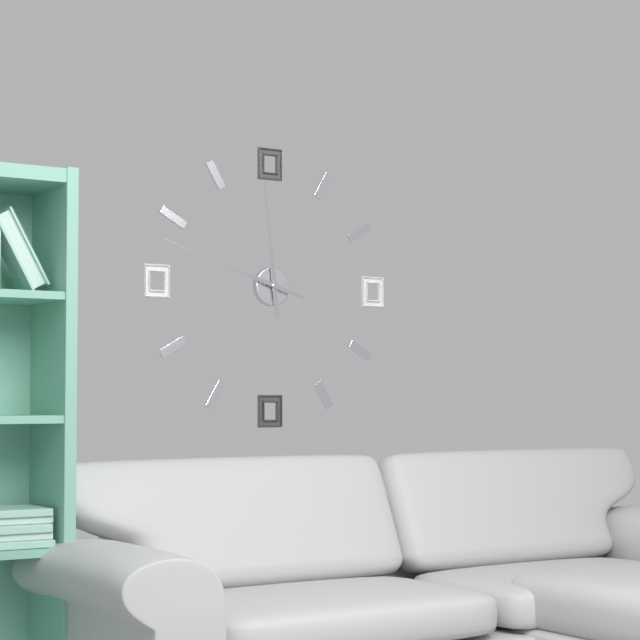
11:48
